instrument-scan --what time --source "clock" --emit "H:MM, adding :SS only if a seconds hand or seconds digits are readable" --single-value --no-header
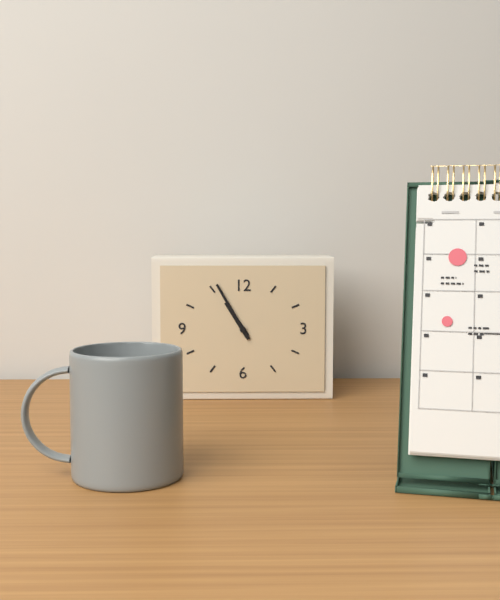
10:55
